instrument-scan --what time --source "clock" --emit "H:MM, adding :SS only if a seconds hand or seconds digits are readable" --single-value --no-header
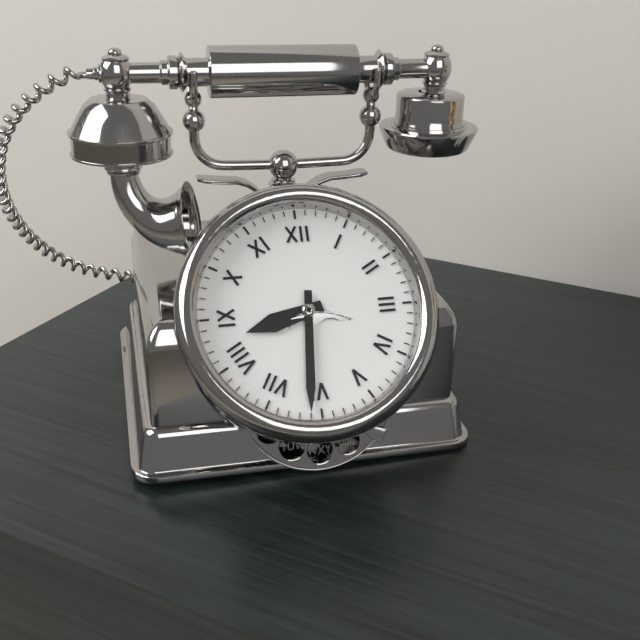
8:31
